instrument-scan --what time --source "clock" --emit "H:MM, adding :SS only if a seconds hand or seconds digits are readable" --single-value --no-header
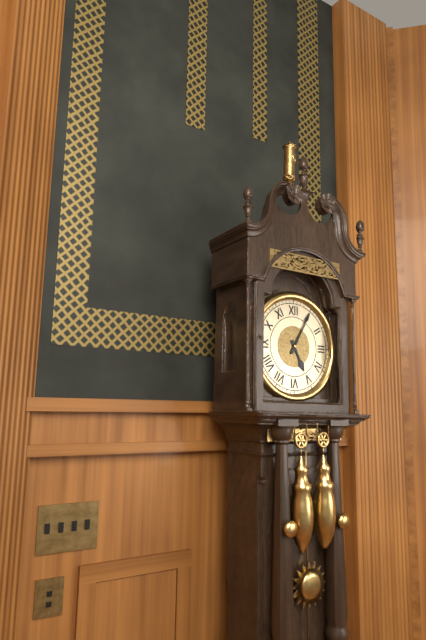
5:05
